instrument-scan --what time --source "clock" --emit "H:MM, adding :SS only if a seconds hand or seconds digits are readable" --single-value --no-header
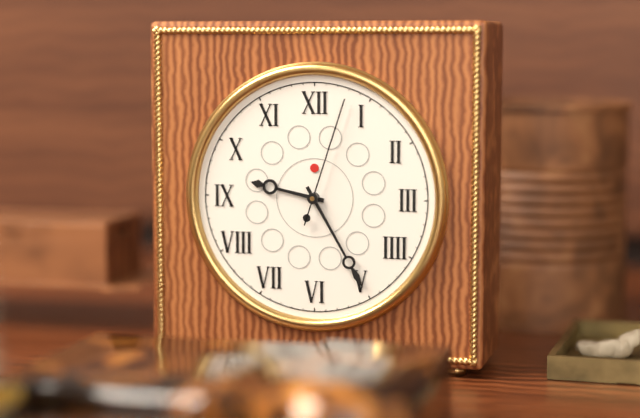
9:25:03
